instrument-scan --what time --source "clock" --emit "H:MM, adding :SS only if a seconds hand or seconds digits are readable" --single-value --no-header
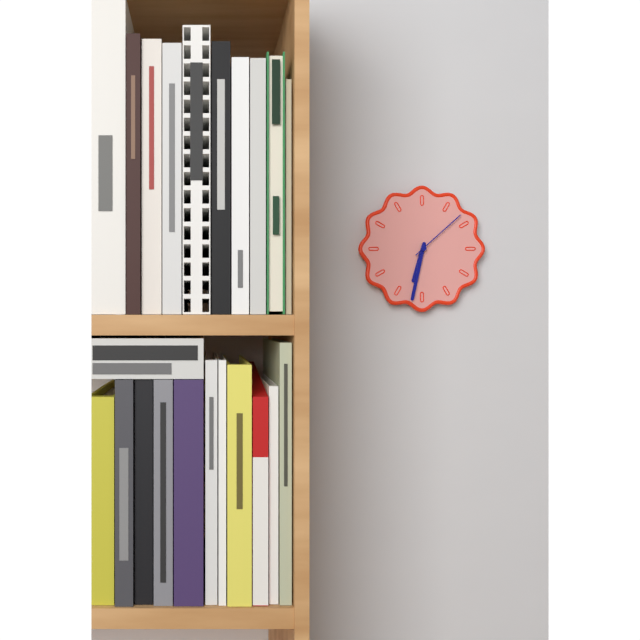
6:32:08
